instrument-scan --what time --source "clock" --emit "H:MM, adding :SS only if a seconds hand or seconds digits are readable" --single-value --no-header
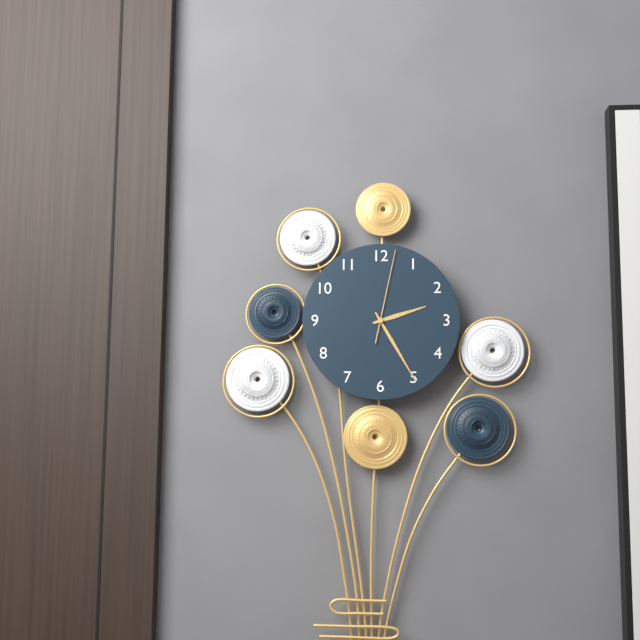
2:25:02
